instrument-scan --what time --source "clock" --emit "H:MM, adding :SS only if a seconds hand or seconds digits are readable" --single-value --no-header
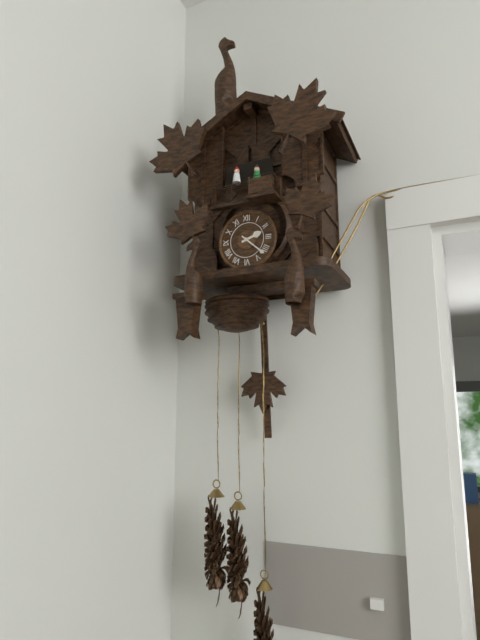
2:22
